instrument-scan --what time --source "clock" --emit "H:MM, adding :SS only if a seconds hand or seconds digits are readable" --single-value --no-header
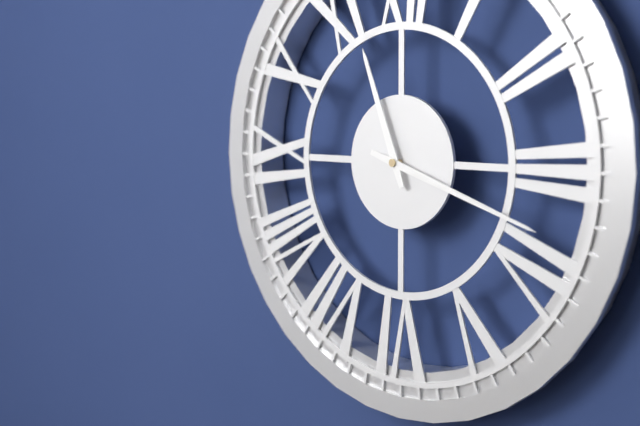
11:18
